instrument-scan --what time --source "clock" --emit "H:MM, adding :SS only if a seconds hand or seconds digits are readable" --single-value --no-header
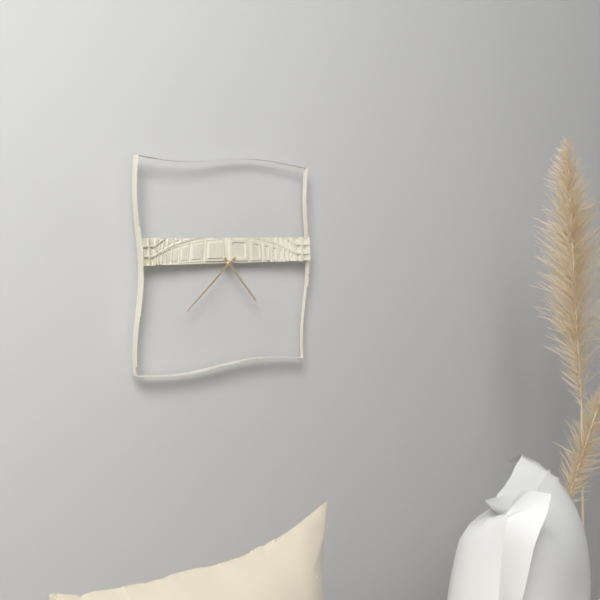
4:38
